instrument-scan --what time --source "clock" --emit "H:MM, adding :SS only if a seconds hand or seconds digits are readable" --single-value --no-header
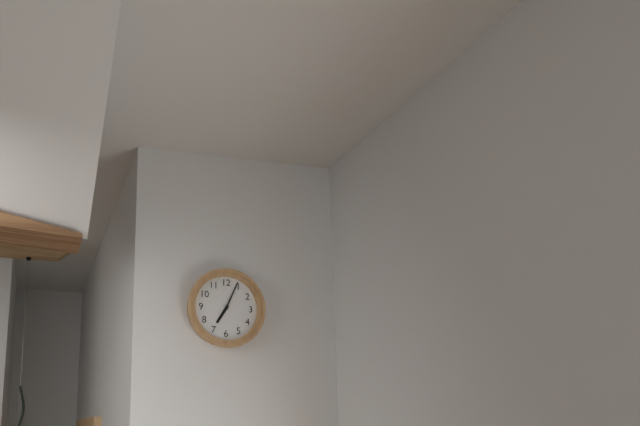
7:04
